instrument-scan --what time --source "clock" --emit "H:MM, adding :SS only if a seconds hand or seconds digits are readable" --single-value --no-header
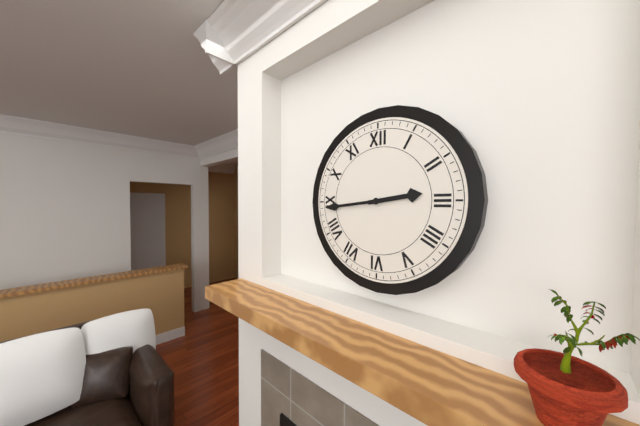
2:44
